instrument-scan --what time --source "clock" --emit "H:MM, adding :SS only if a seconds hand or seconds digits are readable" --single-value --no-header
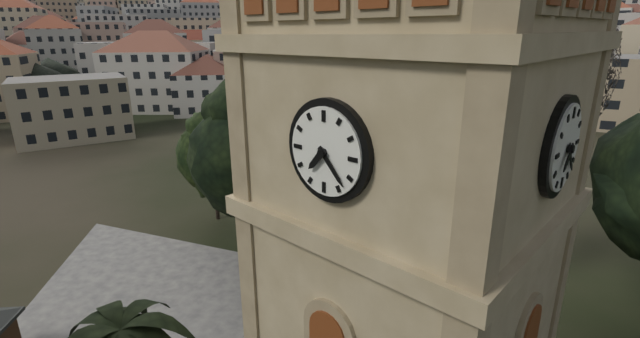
7:23
